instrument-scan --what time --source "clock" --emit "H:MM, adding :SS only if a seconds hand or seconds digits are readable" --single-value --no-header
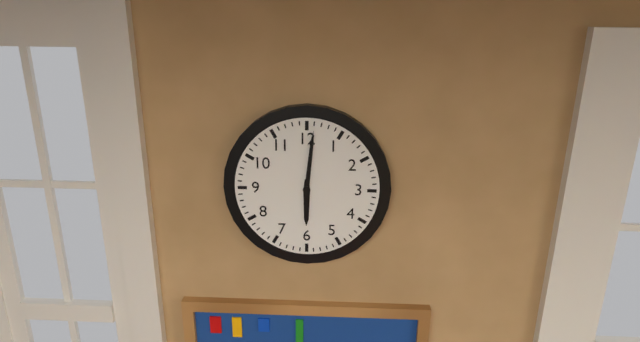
6:01
